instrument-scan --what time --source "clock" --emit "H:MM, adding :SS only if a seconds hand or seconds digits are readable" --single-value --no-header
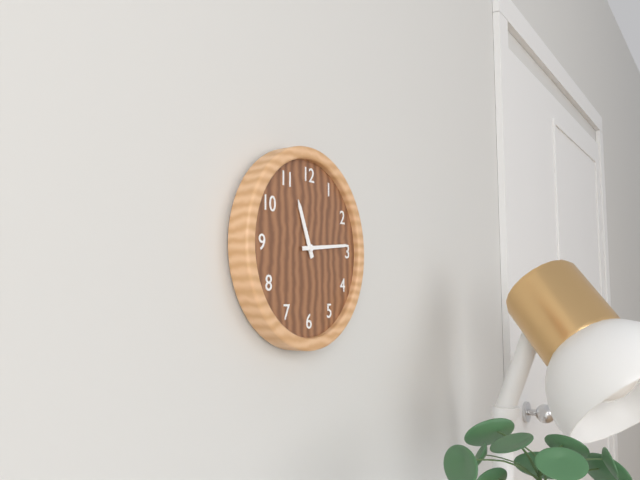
11:14
